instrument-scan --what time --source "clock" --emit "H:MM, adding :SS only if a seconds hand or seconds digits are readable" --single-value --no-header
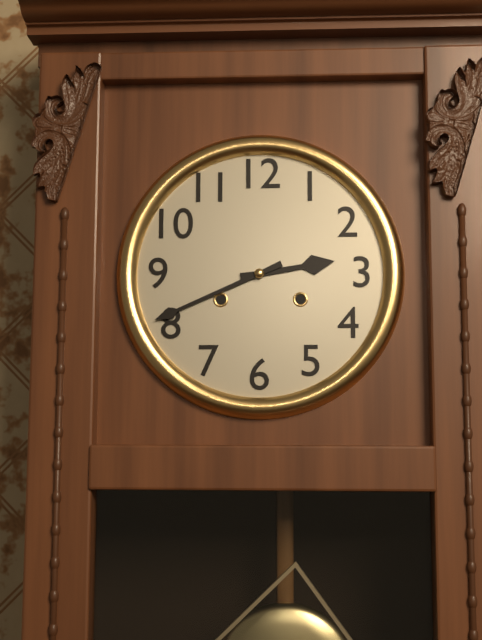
2:41
